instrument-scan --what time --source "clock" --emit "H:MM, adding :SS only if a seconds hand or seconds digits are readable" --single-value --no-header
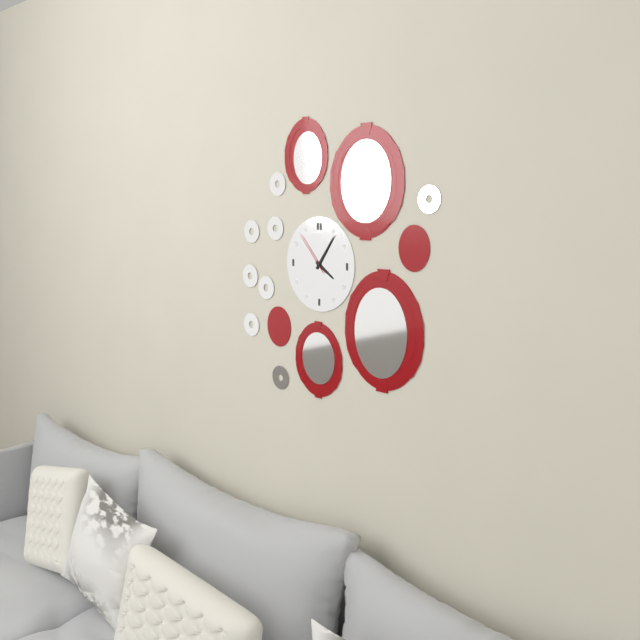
4:06
